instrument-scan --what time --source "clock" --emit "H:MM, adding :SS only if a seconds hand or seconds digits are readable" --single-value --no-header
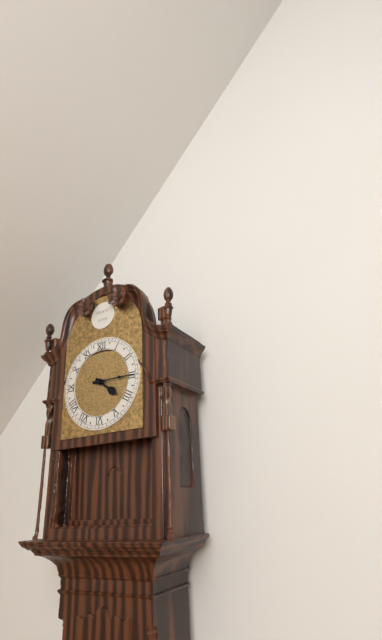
4:15
